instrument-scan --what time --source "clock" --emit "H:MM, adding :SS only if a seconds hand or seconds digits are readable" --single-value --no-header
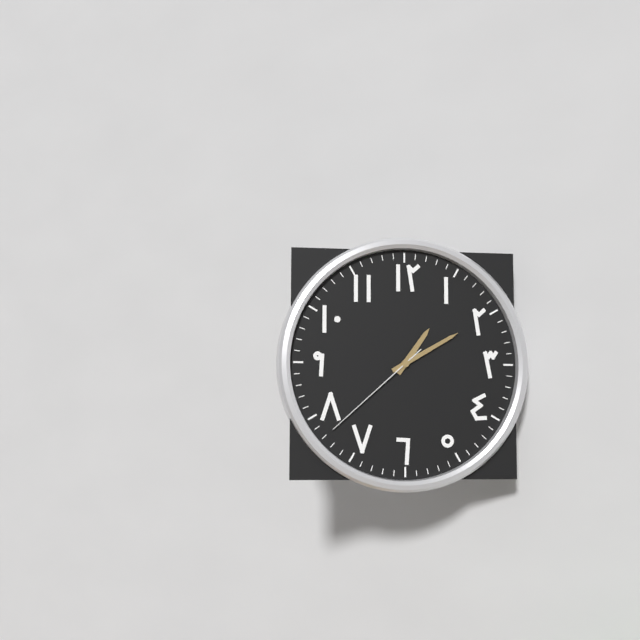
1:10:38
